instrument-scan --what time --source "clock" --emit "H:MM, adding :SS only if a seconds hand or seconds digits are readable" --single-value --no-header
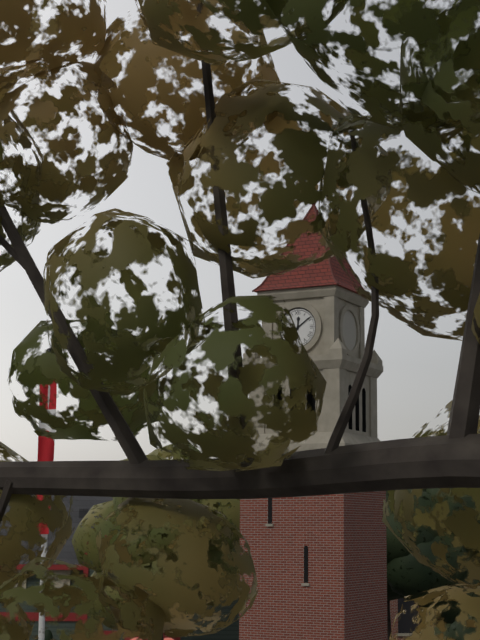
12:09
